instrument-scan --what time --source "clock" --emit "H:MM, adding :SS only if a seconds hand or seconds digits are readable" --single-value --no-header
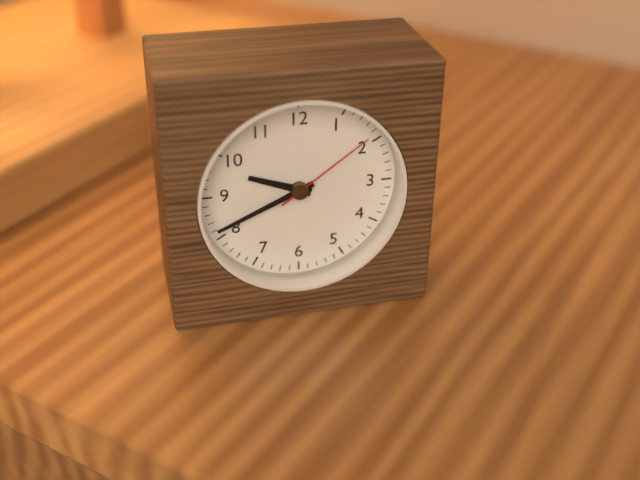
9:41:09
